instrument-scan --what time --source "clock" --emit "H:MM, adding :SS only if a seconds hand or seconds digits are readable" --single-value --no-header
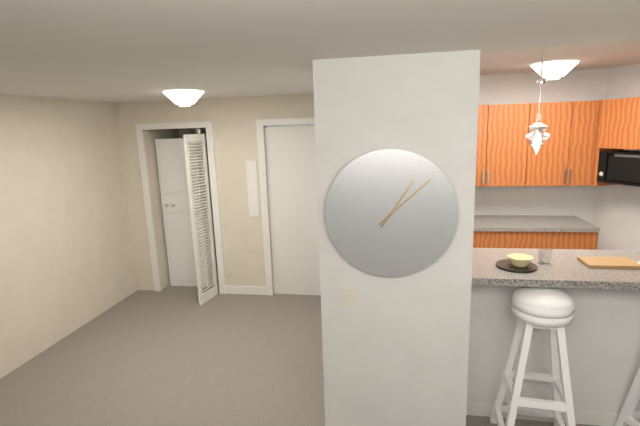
1:08
